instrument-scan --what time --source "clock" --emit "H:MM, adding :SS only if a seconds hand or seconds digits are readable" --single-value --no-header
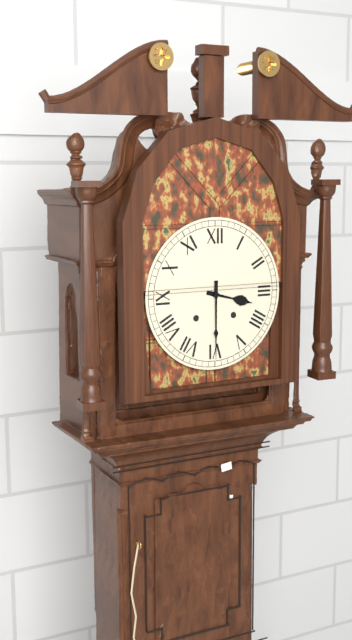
3:30
